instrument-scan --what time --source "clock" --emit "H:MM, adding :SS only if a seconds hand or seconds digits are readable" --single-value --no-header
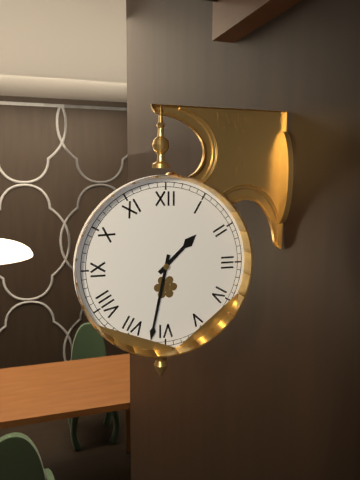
1:32
